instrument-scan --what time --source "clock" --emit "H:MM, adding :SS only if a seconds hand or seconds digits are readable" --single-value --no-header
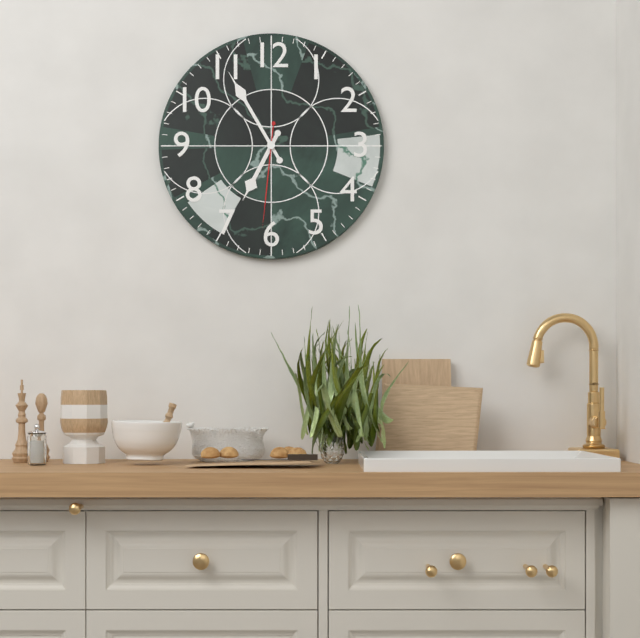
6:55:31
